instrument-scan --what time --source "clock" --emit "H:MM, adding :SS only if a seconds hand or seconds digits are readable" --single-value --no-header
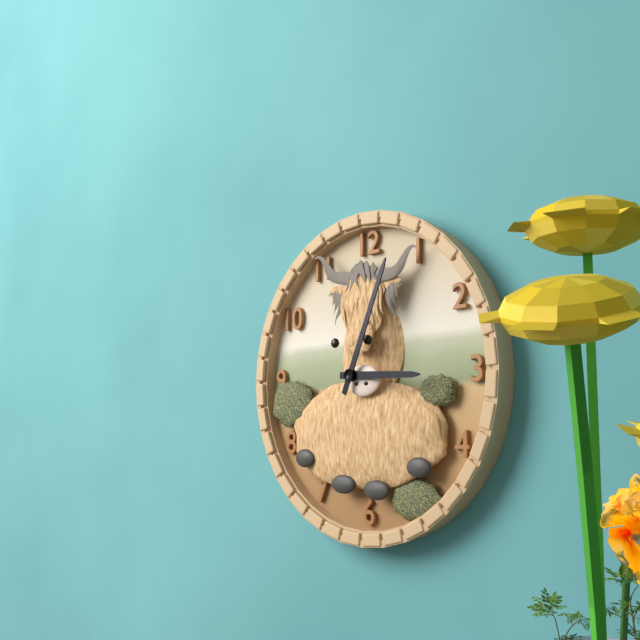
3:04
